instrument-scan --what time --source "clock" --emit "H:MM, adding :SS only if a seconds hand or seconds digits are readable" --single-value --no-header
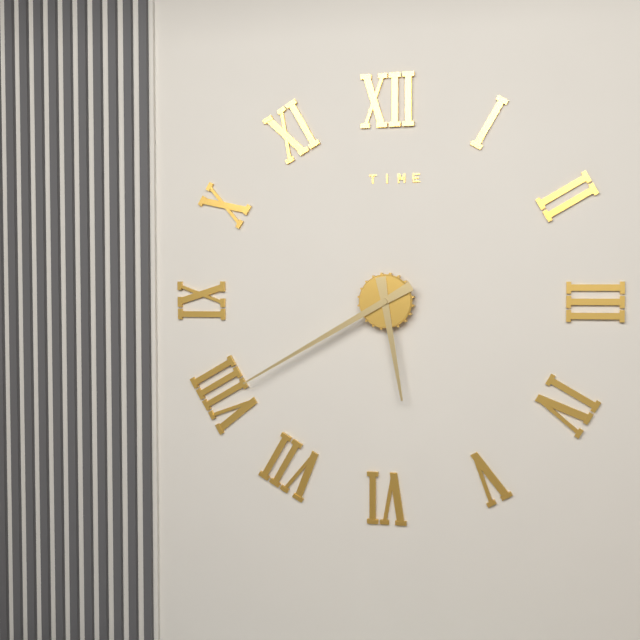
5:40
